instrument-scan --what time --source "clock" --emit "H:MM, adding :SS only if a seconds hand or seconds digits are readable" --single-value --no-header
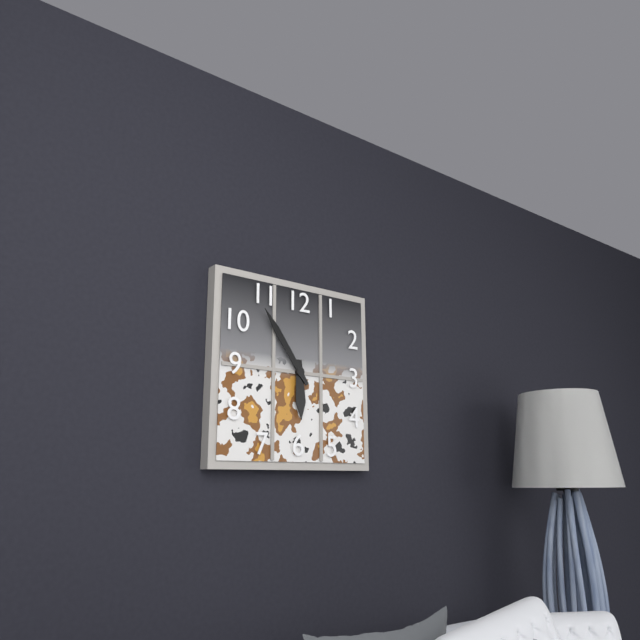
5:54
